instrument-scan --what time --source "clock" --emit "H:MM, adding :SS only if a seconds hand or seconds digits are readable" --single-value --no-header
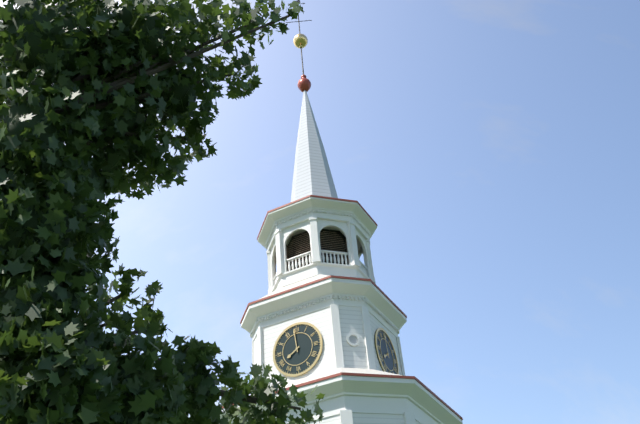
7:59
